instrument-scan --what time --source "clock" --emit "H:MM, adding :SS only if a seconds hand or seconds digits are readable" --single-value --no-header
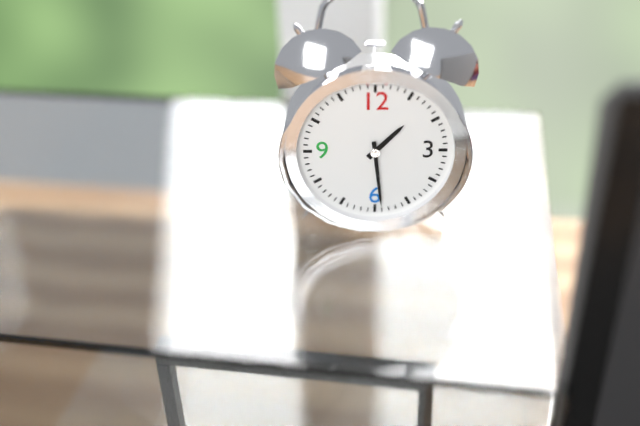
1:29
